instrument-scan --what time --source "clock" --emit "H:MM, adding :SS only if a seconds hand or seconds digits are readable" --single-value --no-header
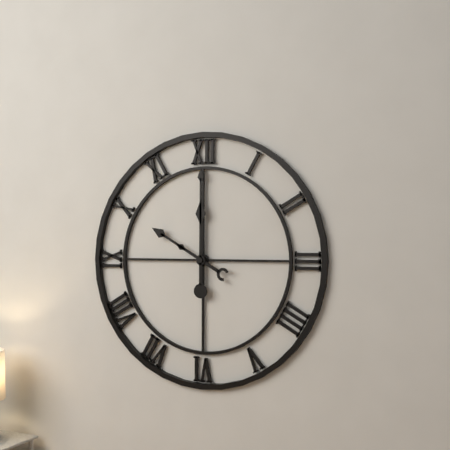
10:00
